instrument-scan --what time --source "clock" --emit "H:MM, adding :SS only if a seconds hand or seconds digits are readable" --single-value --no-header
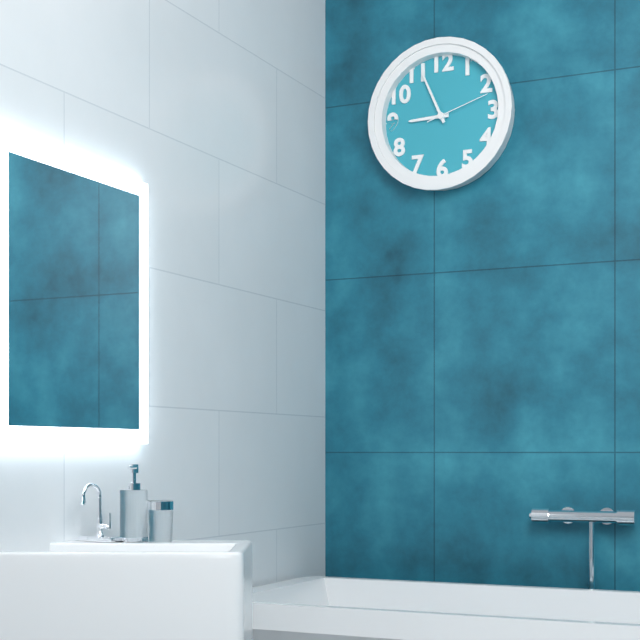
8:56:12
